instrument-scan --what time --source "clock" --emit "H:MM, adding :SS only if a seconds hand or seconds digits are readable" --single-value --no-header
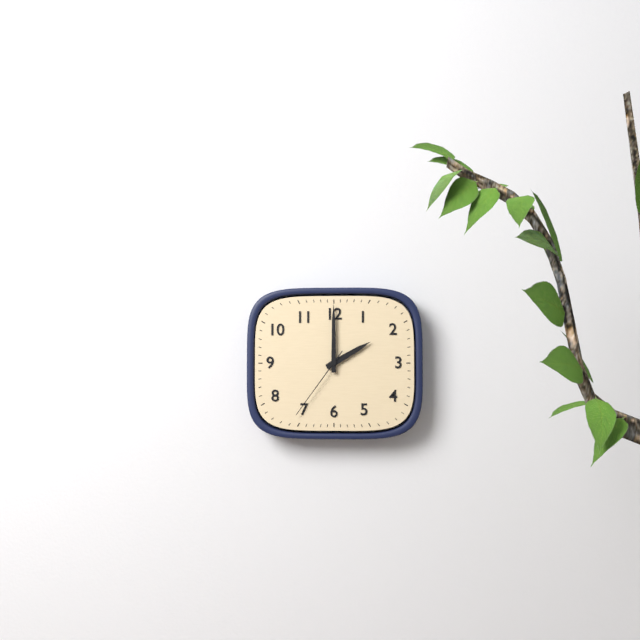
2:00:36
